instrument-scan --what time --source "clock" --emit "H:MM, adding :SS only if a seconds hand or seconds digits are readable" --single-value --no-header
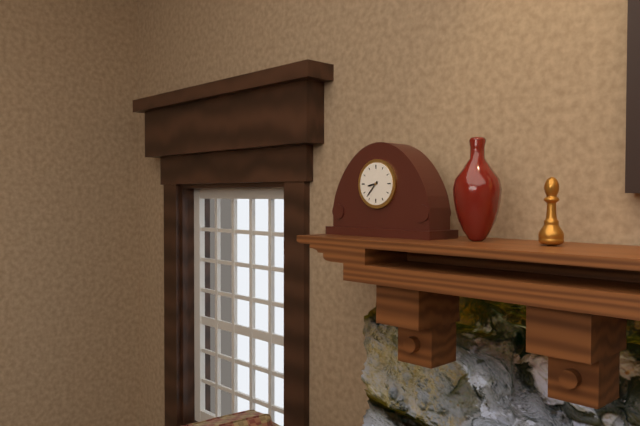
8:37
